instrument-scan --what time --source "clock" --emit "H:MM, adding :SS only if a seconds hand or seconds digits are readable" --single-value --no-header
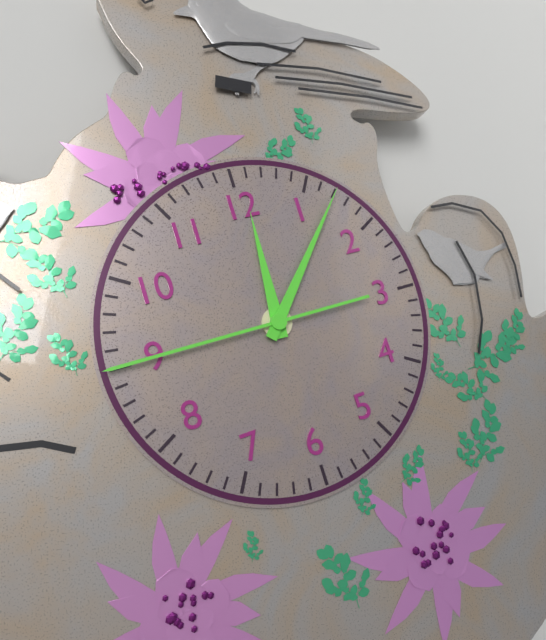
12:07:45
